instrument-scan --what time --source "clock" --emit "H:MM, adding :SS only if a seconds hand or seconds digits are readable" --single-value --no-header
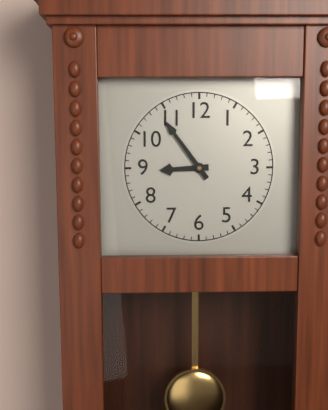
8:54
